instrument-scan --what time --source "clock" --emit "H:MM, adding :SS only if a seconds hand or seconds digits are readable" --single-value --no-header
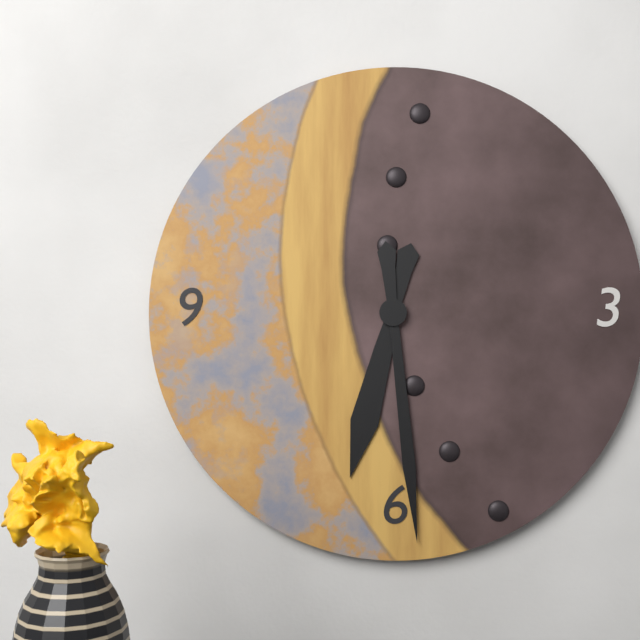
6:29
